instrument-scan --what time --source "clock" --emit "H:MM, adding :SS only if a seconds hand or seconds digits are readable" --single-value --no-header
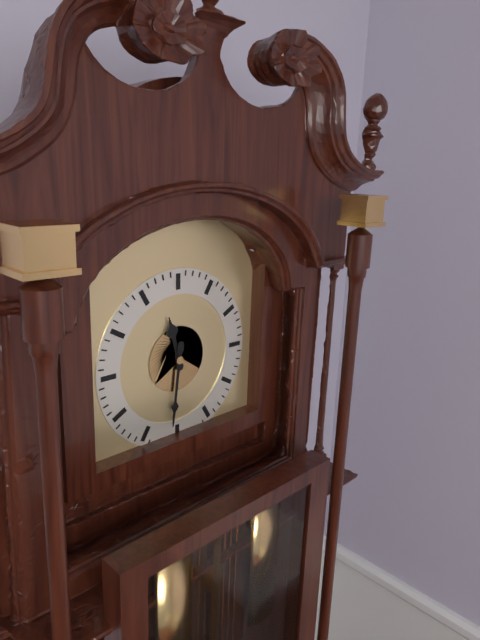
11:31
